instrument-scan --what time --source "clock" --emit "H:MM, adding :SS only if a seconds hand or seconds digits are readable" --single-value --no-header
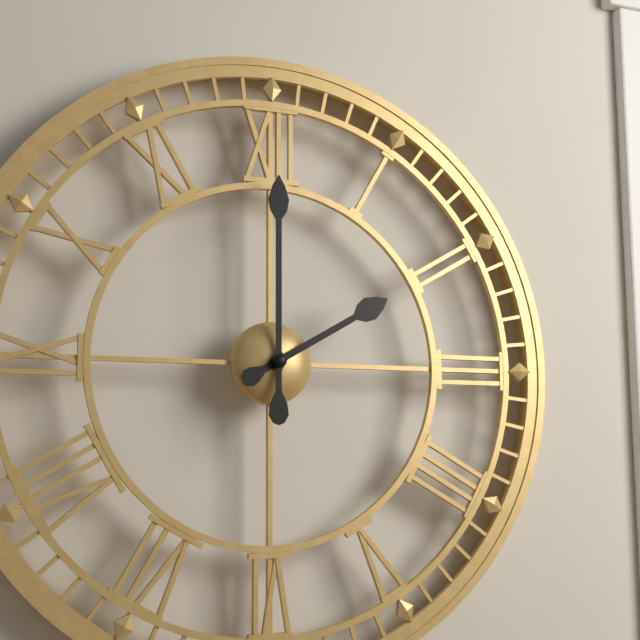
2:00
